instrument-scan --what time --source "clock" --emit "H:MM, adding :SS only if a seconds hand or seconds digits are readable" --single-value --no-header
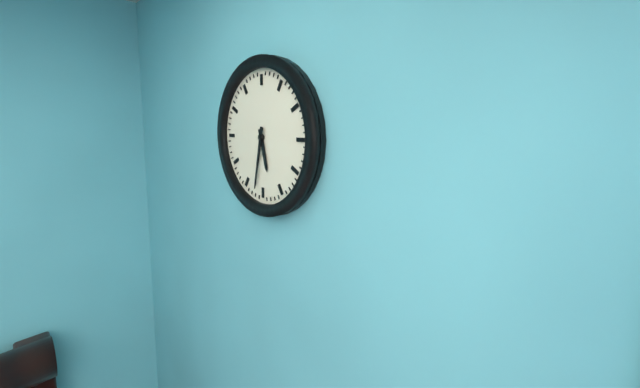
5:32
